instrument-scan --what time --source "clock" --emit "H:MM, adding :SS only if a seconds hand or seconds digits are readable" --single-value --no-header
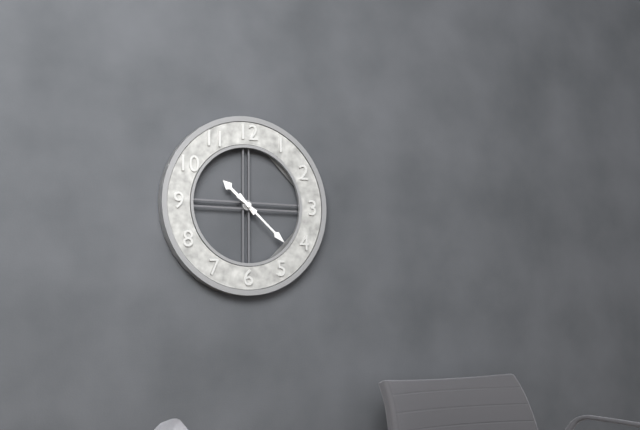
10:22
